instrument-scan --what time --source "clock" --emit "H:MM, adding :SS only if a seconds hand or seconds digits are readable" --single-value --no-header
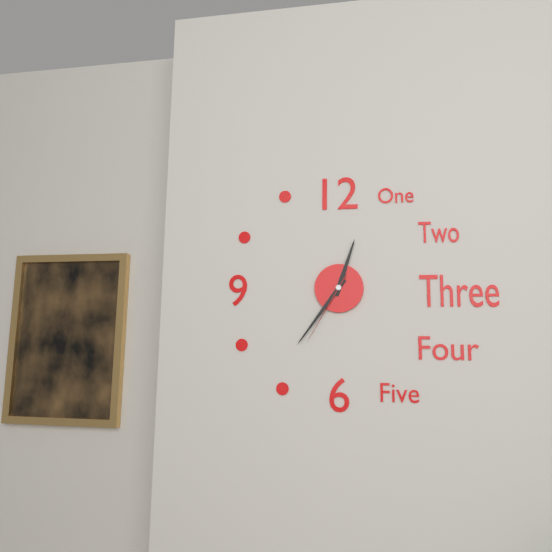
12:36:35
